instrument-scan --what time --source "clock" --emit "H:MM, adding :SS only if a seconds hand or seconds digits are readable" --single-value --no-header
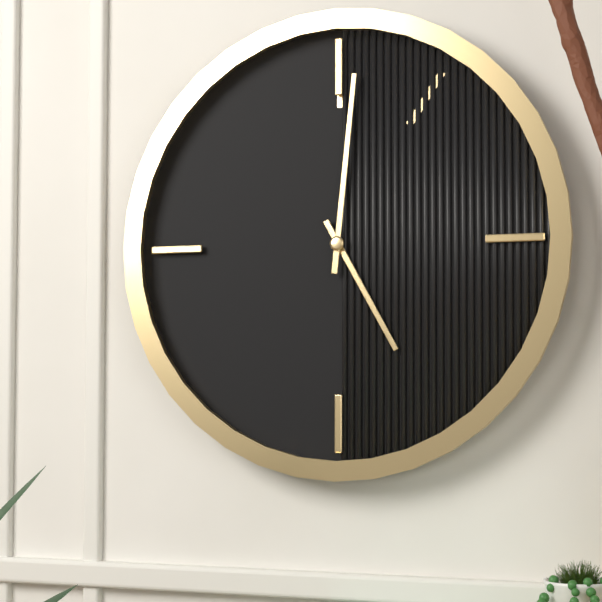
5:01
